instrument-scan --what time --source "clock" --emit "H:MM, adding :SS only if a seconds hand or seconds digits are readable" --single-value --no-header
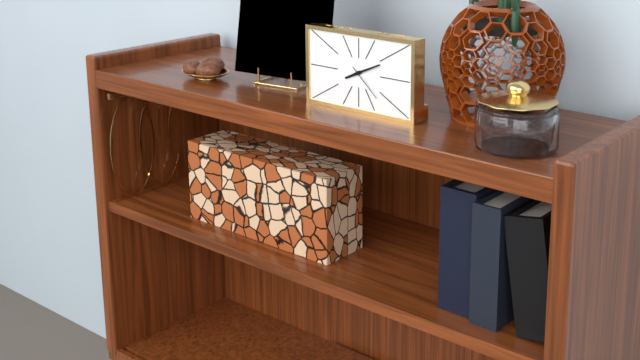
8:11
